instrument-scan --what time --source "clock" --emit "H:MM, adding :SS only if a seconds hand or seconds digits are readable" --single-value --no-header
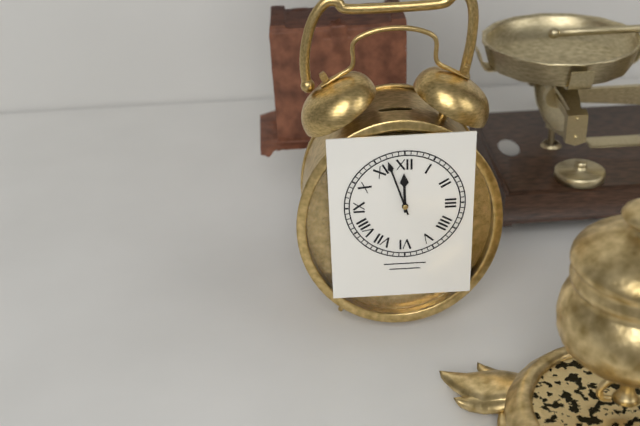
11:57
